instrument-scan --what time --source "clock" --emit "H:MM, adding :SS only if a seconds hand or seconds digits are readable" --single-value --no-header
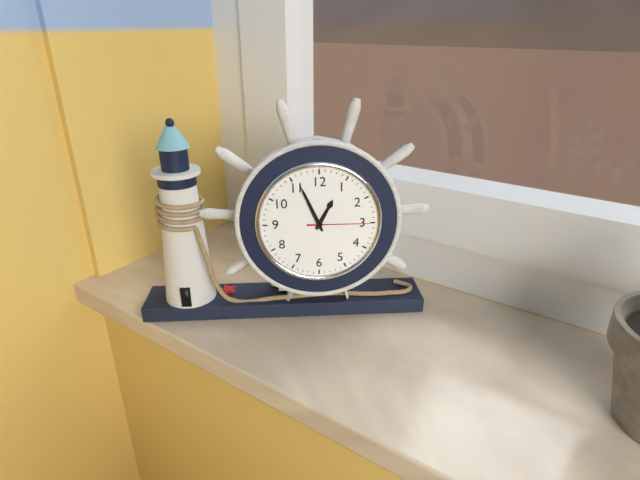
12:56:15
